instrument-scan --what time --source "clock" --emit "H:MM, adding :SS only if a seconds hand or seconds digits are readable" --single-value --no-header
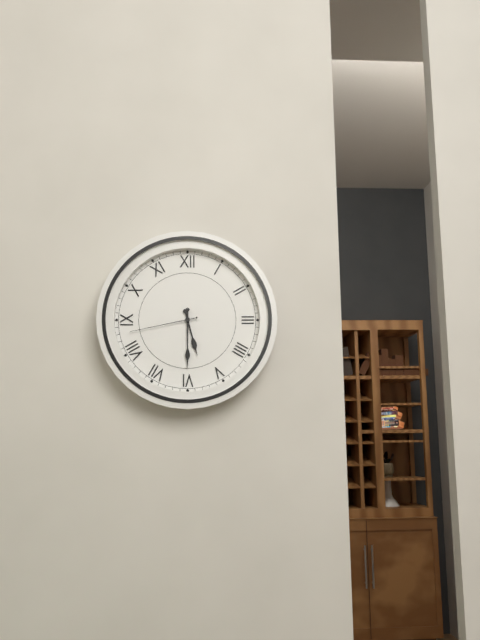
5:30:43
